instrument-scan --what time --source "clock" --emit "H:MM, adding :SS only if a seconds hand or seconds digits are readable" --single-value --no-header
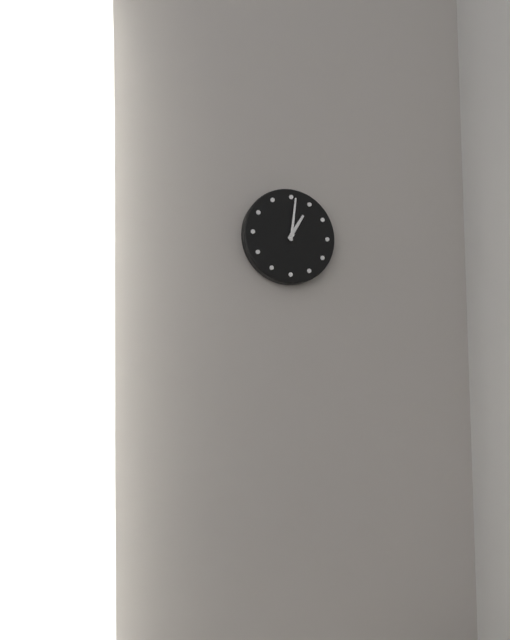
1:01
